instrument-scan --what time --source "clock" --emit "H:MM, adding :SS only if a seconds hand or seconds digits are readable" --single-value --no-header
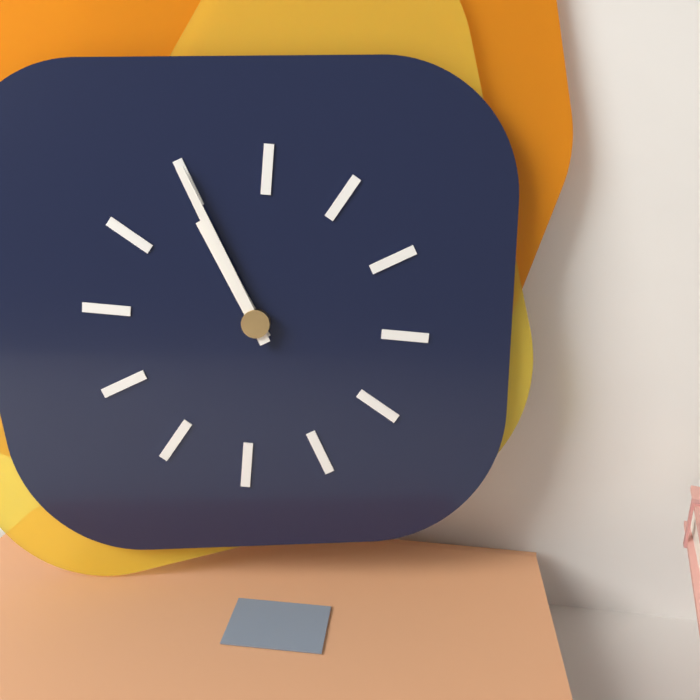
10:55
